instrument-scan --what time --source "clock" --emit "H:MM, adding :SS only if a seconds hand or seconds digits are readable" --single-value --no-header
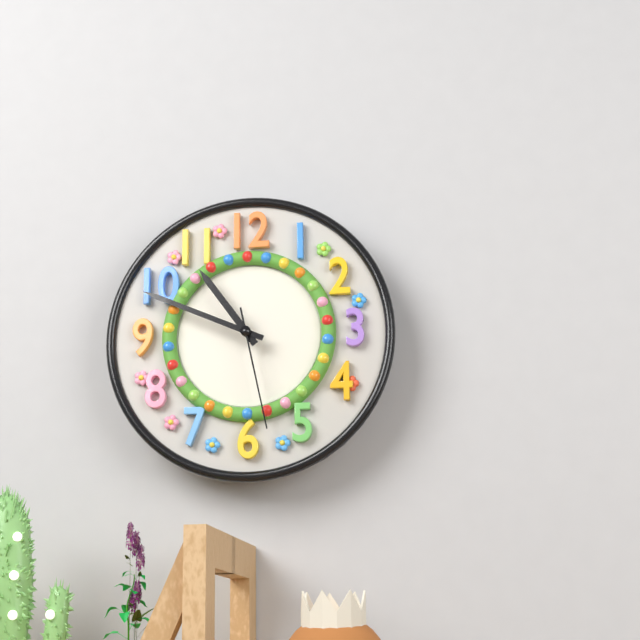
10:49:28
